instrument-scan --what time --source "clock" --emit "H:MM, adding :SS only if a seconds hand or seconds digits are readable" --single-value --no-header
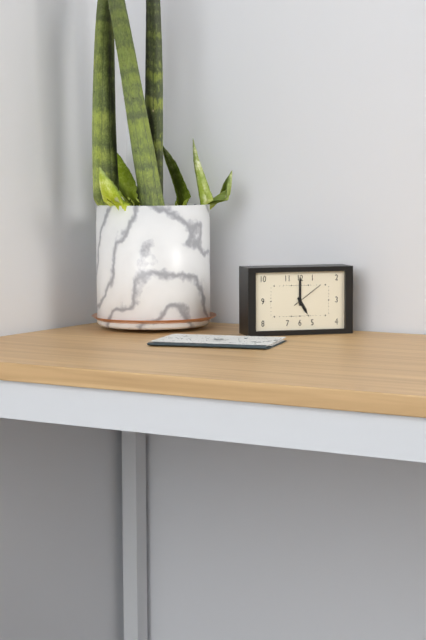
5:00
